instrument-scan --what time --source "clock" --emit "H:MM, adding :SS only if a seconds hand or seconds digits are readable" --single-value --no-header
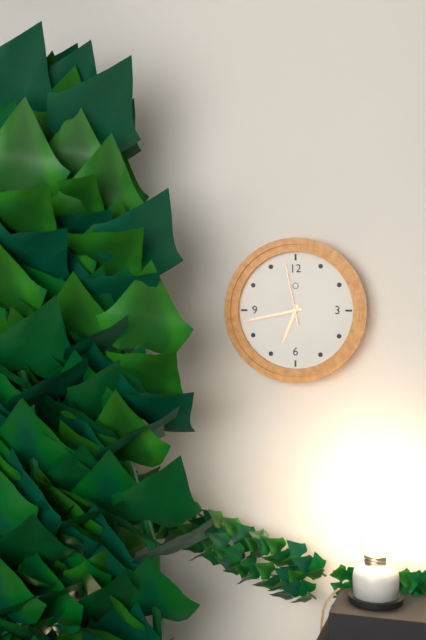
6:43:58
